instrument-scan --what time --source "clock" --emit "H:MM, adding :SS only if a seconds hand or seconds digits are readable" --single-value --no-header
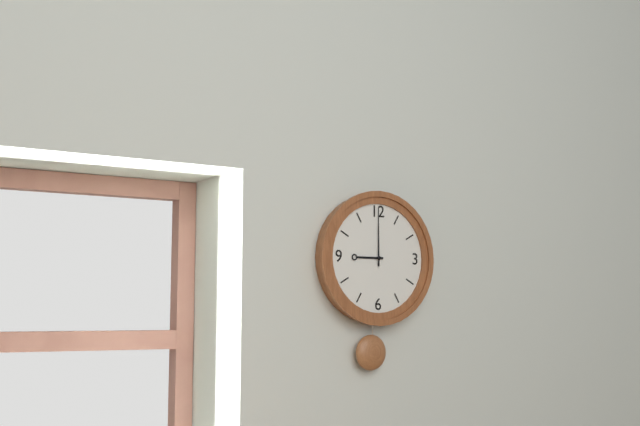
9:00
